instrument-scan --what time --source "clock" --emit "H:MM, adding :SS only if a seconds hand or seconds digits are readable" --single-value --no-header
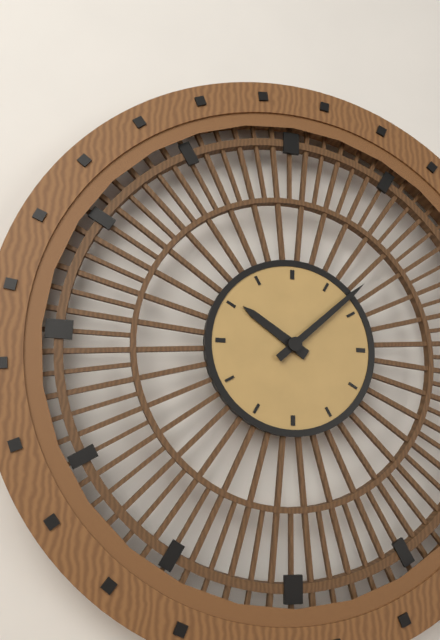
10:08
